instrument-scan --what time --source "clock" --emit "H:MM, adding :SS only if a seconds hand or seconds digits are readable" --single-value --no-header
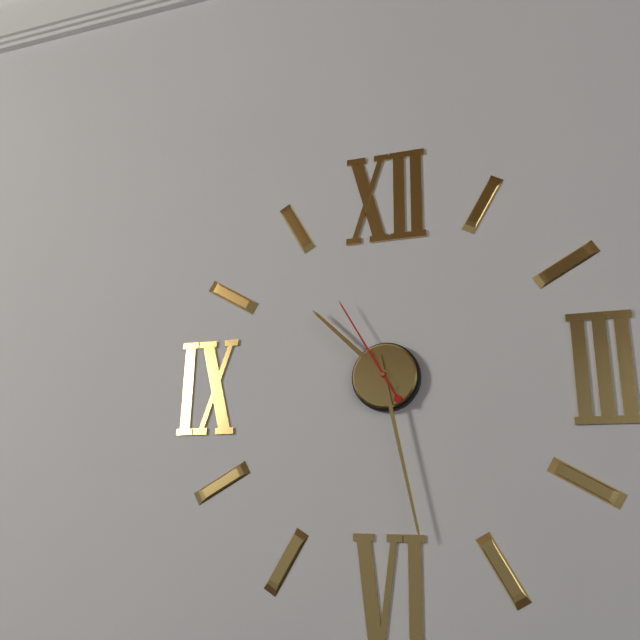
10:28:55
